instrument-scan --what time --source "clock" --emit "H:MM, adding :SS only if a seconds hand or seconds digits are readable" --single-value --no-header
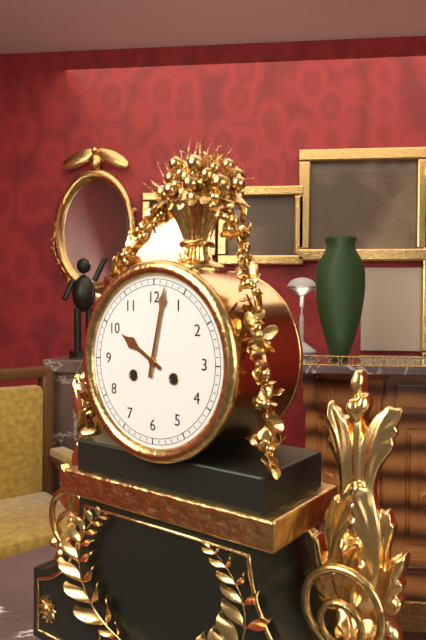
10:02
